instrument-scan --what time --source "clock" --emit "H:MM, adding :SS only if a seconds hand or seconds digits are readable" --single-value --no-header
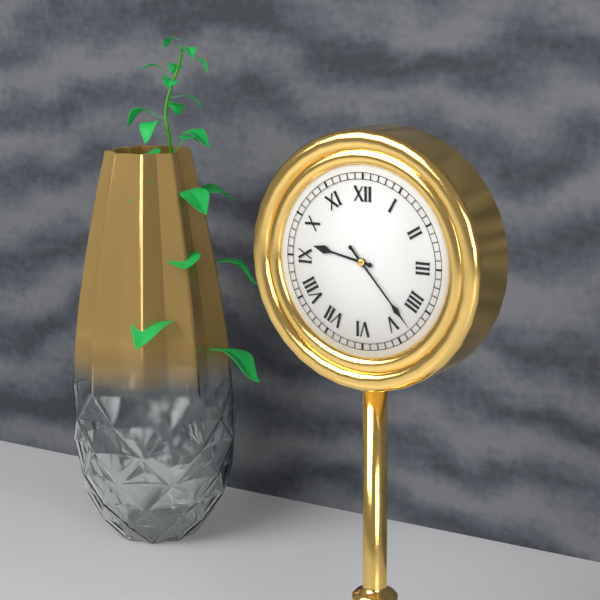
9:23
